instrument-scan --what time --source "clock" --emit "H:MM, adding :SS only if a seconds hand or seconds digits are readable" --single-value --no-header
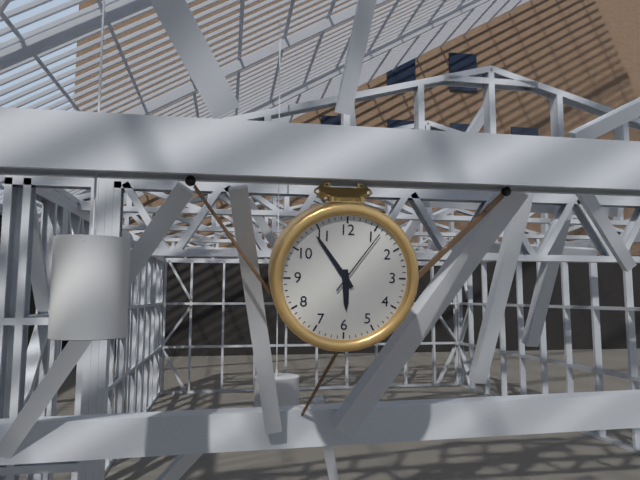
5:54:06
